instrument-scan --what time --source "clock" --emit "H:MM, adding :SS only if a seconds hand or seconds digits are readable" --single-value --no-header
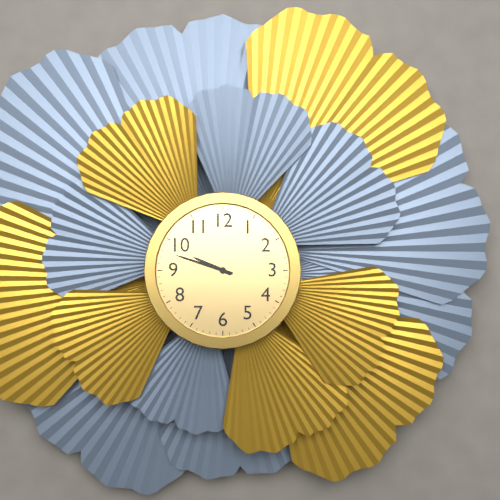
9:48
